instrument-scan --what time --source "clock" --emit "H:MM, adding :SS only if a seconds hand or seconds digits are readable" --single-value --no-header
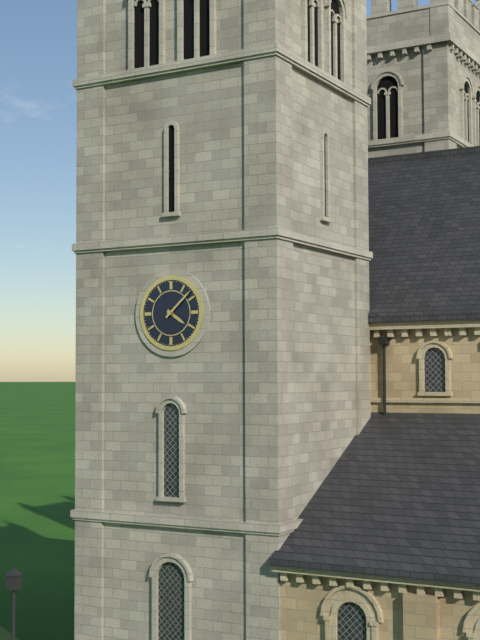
4:08
